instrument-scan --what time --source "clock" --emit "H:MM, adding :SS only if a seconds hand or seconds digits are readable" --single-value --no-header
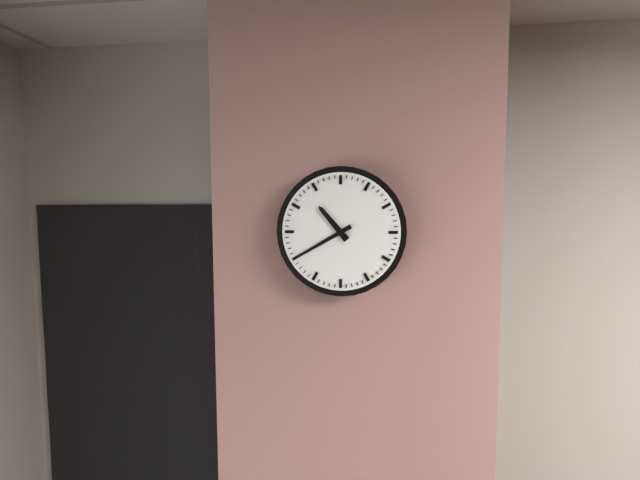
10:40
